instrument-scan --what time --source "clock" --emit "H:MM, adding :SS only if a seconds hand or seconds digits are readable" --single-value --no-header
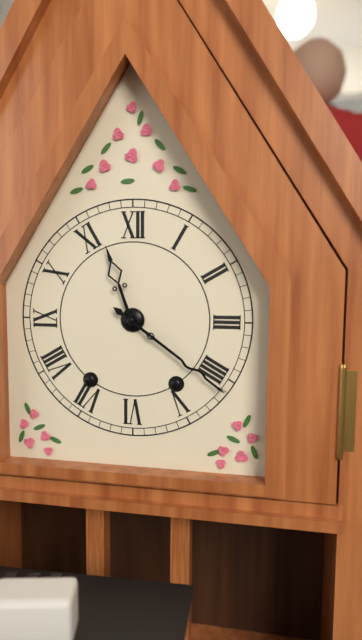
11:21
